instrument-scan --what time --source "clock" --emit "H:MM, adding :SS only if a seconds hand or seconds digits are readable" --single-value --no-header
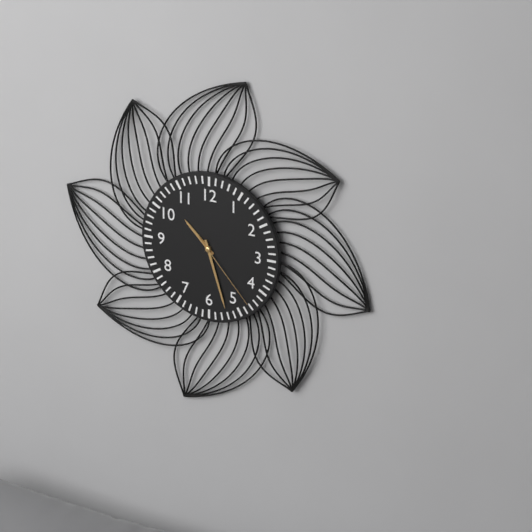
10:27:23
